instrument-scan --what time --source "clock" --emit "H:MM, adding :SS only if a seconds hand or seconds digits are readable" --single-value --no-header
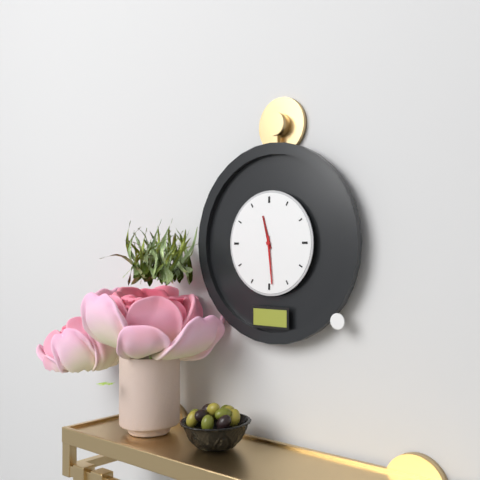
11:29
